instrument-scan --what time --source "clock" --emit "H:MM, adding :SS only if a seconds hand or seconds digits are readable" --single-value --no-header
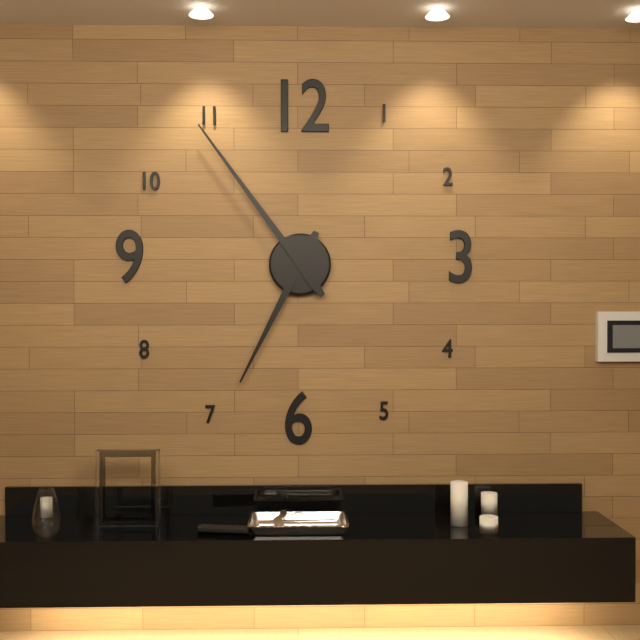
6:54
